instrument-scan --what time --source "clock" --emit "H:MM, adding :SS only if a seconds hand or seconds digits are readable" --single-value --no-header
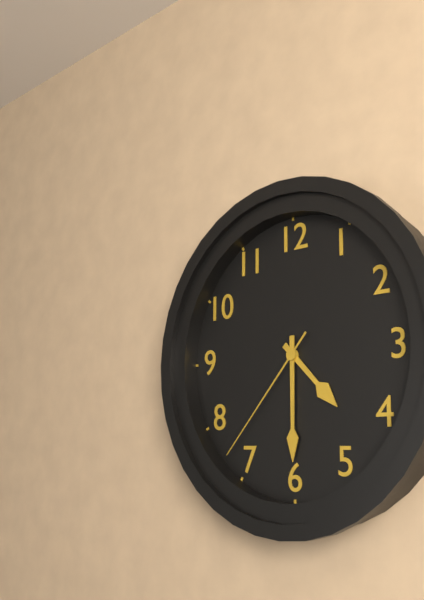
4:30:37
